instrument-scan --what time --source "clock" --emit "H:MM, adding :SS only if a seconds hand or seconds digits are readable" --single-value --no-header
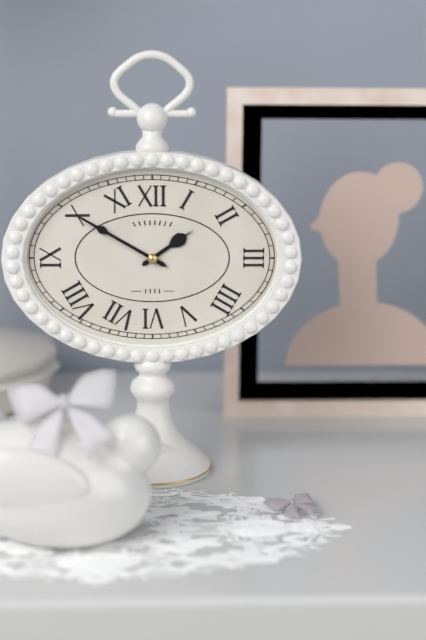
1:50
